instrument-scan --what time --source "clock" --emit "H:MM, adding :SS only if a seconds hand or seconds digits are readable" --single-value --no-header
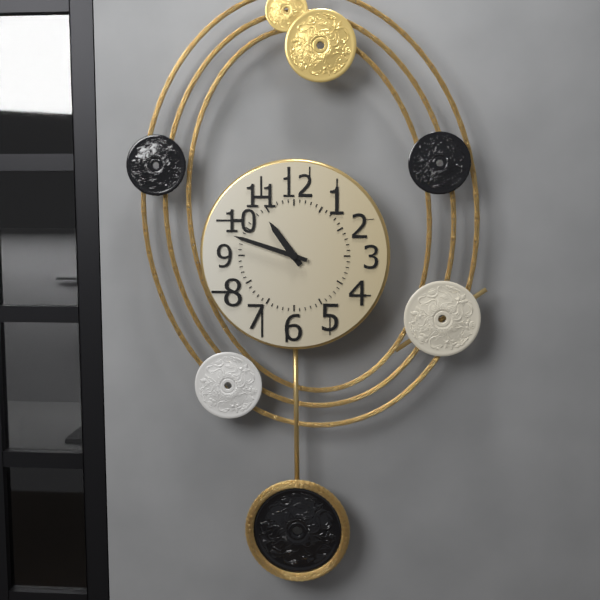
10:48
